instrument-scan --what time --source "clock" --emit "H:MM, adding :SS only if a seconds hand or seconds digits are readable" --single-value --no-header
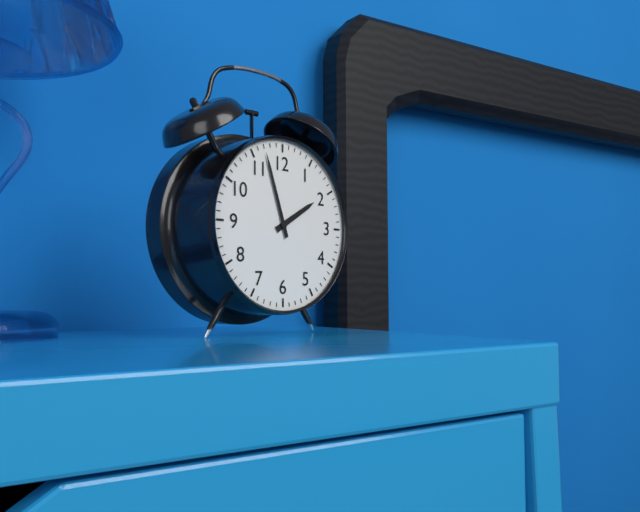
1:57
